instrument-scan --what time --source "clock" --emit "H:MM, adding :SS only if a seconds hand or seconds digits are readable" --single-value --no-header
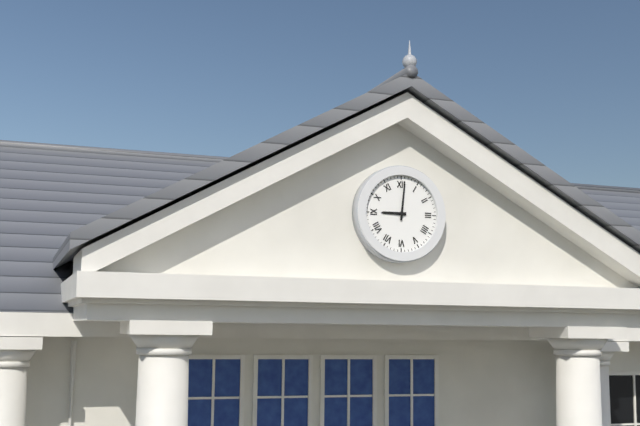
9:01
